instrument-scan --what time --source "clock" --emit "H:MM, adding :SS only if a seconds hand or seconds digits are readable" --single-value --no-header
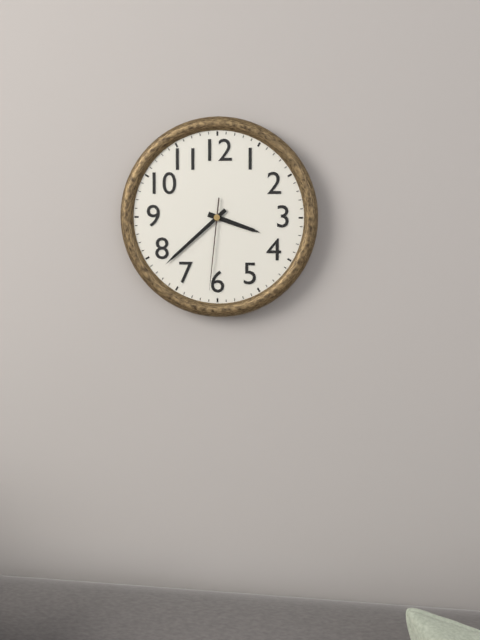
3:38:31
